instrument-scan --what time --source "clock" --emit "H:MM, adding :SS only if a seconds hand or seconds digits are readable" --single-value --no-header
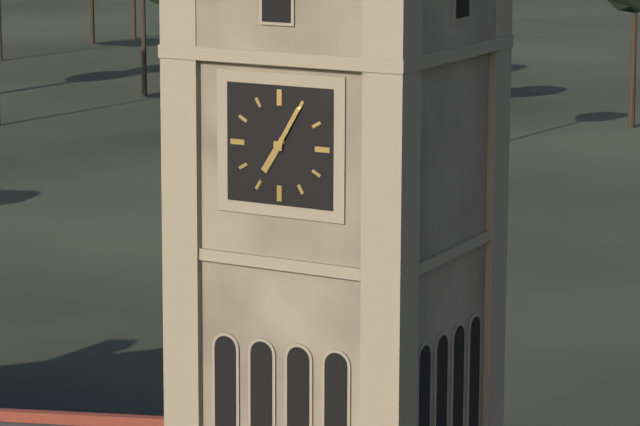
7:05
